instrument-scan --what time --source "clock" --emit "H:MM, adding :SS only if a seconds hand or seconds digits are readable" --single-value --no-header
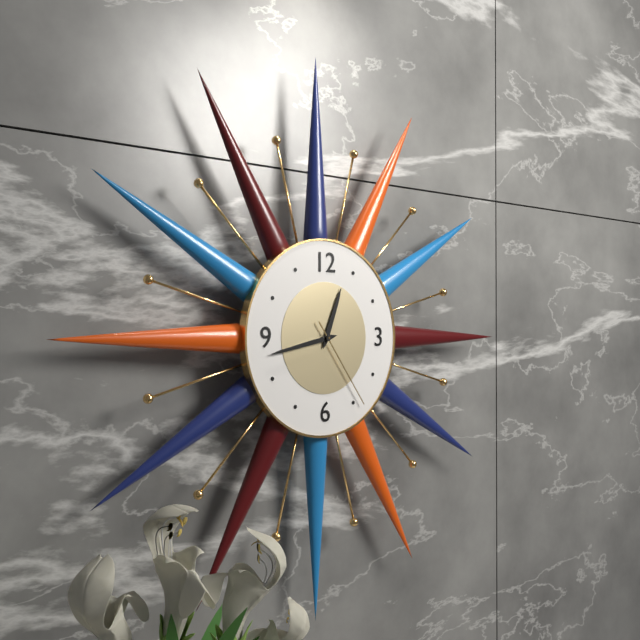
12:43:24
